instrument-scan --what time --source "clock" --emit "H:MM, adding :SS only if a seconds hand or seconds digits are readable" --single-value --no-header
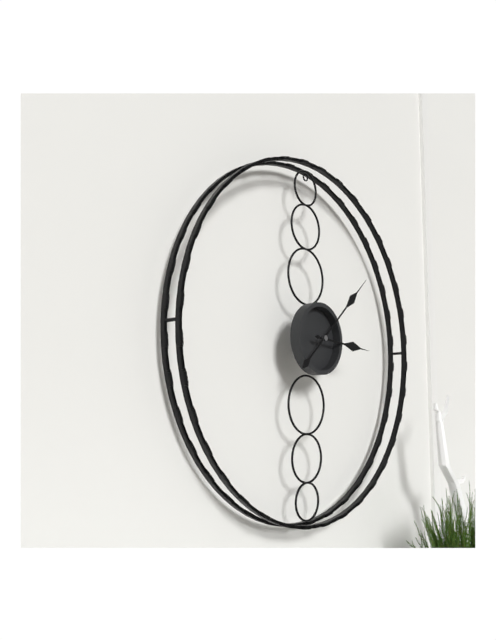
3:08
